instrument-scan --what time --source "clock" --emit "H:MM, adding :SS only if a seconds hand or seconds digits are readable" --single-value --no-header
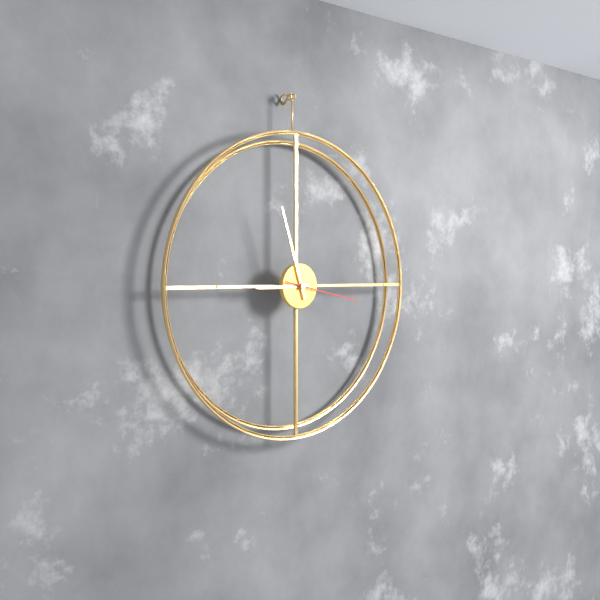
8:57:17
